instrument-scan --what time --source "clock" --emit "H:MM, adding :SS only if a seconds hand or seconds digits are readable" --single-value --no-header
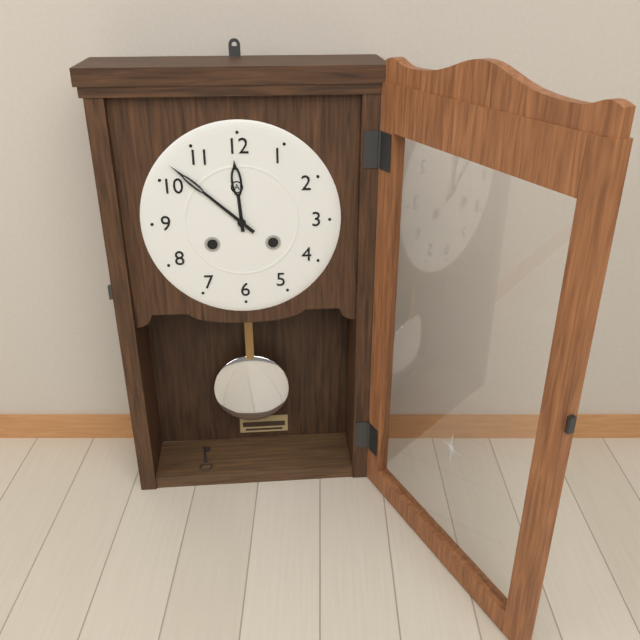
11:52
